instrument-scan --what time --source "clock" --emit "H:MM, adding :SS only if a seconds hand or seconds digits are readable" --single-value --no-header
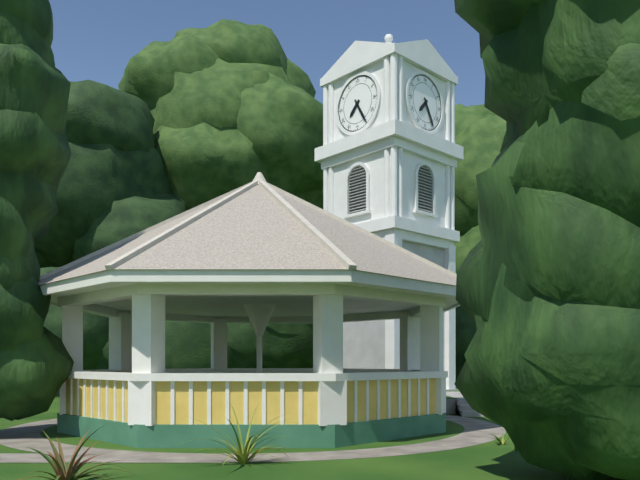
7:25
